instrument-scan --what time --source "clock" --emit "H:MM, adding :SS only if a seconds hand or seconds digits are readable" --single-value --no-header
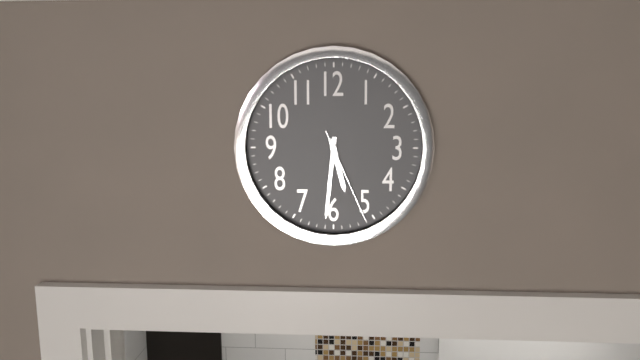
5:31:26
